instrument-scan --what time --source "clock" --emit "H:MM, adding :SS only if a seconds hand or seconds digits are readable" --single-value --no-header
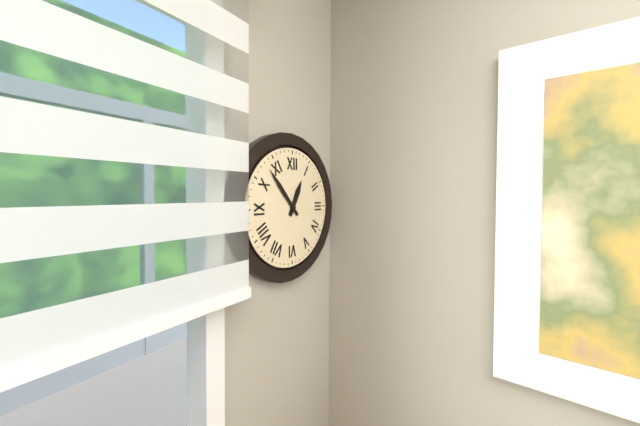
12:53
